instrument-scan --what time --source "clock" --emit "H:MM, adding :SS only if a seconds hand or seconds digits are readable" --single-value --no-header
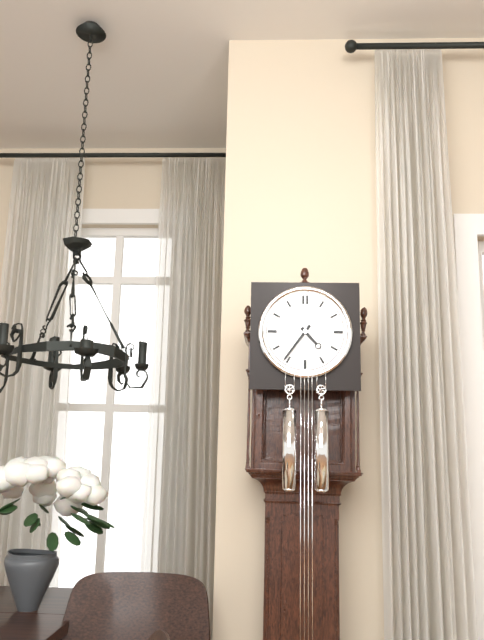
4:36
